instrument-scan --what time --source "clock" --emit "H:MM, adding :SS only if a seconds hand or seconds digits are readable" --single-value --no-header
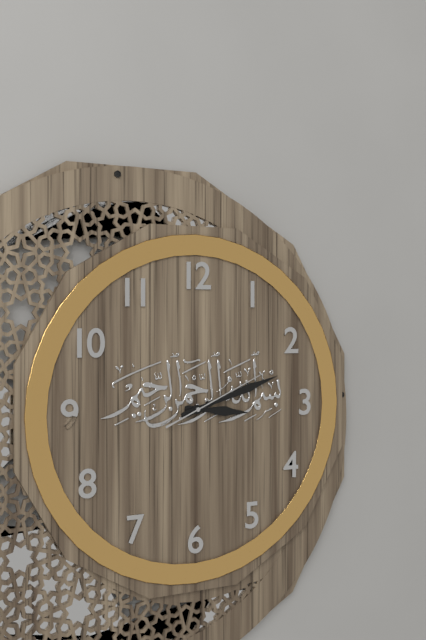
3:12:11
